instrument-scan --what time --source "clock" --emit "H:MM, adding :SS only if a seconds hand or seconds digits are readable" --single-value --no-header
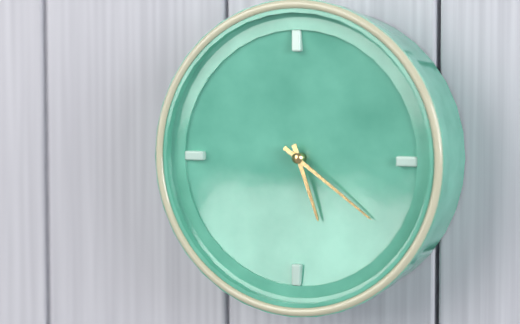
5:21
